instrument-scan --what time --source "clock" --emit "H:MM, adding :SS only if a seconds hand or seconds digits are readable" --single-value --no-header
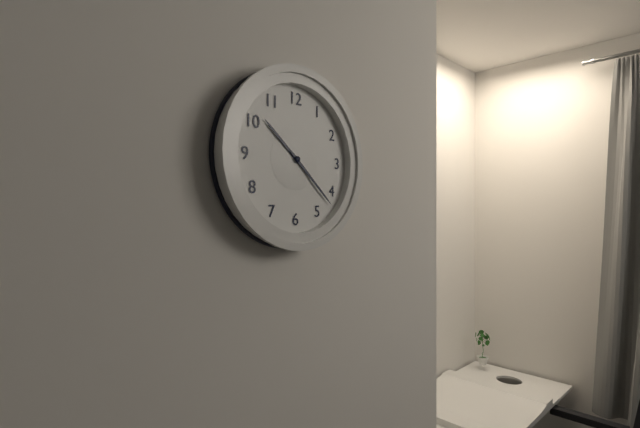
10:22
